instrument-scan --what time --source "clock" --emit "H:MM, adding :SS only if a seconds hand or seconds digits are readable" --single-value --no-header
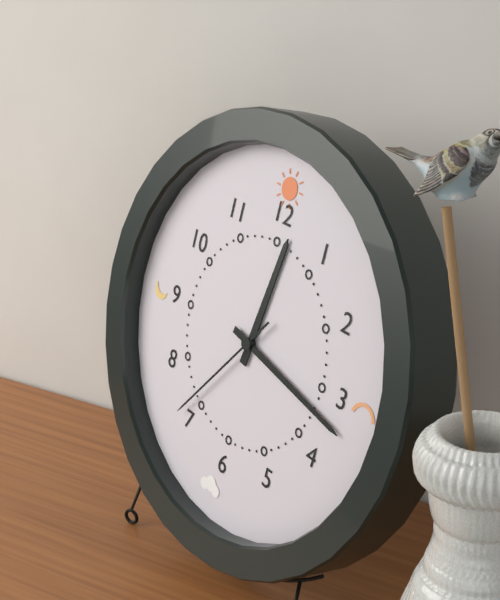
12:17:36
